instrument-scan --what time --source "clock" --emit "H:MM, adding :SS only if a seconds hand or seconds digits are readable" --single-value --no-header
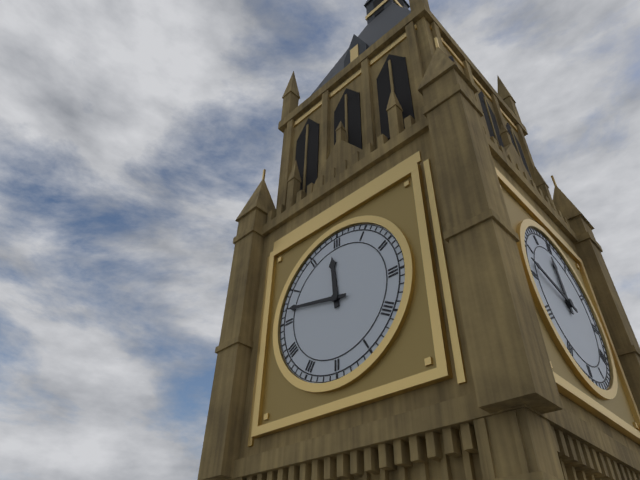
11:47
